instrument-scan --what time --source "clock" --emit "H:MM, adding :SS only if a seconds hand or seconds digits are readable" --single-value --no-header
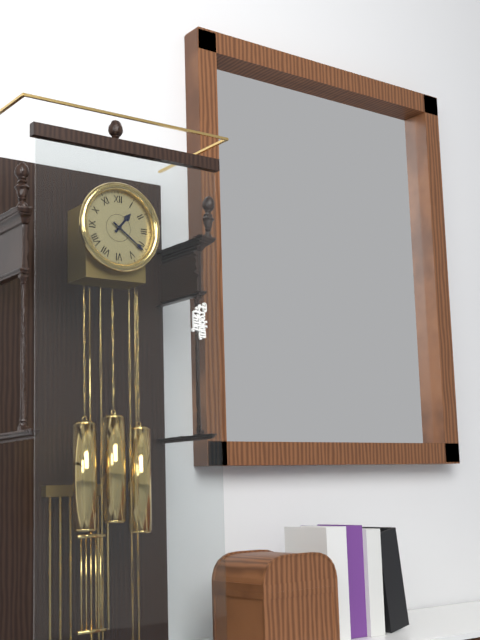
1:21
